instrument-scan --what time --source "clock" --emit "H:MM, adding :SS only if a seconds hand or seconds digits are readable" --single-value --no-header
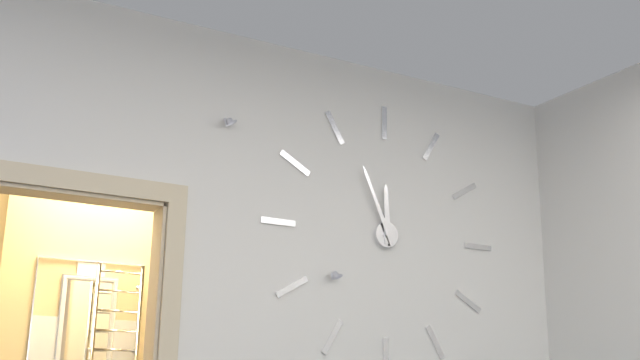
11:56
